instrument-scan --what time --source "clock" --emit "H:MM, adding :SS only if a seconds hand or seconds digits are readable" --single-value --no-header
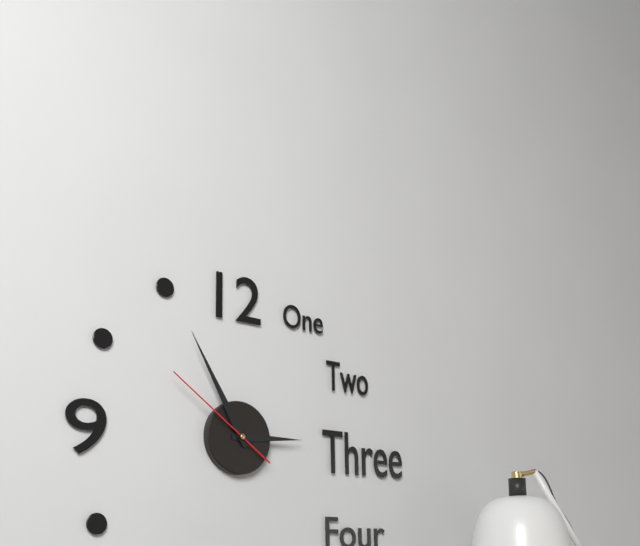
2:55:51
